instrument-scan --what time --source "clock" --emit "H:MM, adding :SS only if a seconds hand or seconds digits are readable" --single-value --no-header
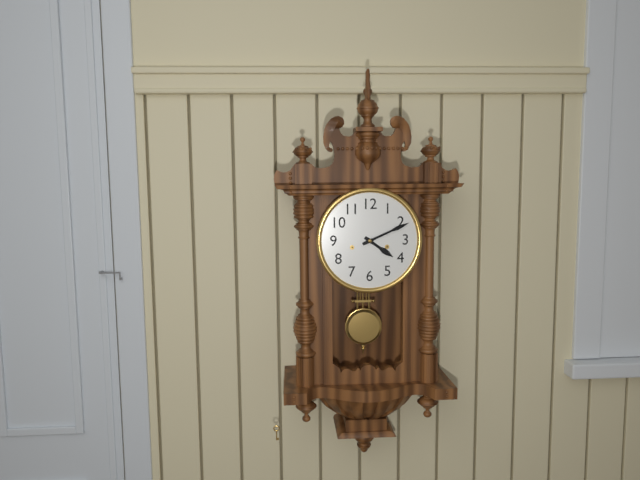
4:11
